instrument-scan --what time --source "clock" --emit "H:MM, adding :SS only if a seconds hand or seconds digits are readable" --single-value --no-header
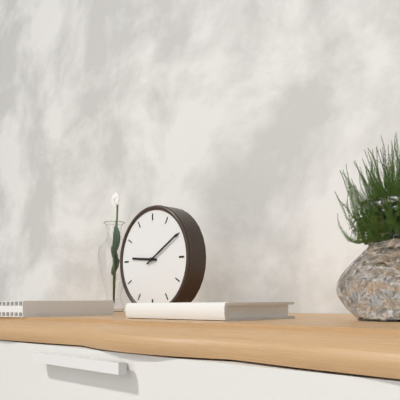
9:10
